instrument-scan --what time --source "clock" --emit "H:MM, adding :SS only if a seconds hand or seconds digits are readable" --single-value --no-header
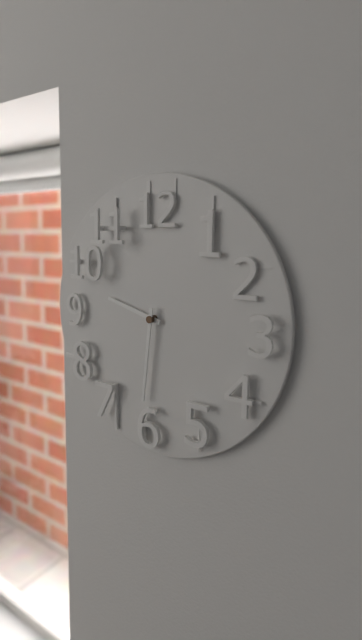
9:31
